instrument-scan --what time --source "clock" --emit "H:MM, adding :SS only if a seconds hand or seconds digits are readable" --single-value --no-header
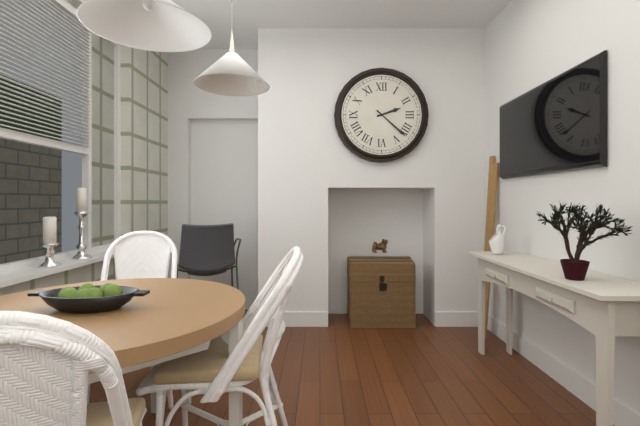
2:22
